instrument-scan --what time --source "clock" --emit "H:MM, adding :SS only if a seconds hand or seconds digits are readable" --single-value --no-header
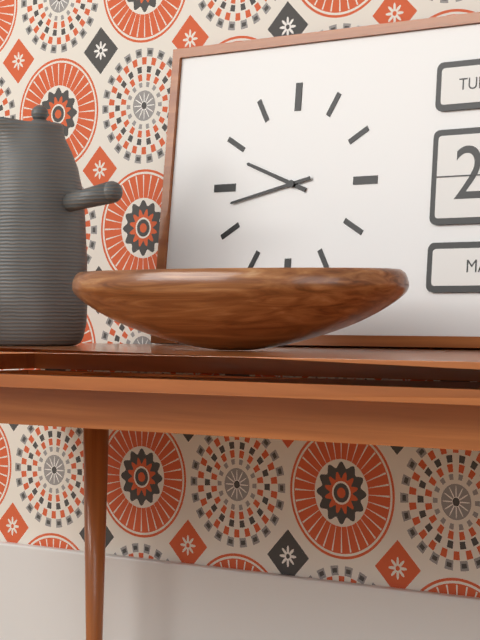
9:43
